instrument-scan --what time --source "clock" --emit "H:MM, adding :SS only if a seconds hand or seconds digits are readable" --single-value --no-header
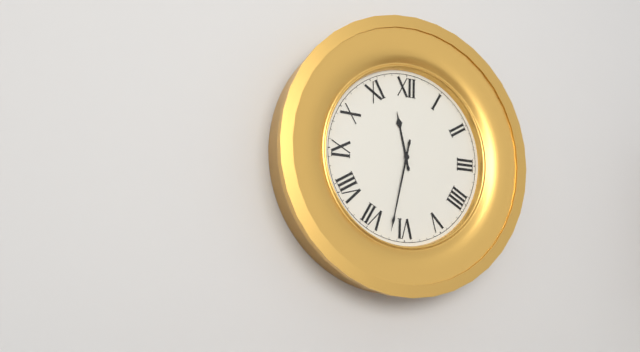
11:32
